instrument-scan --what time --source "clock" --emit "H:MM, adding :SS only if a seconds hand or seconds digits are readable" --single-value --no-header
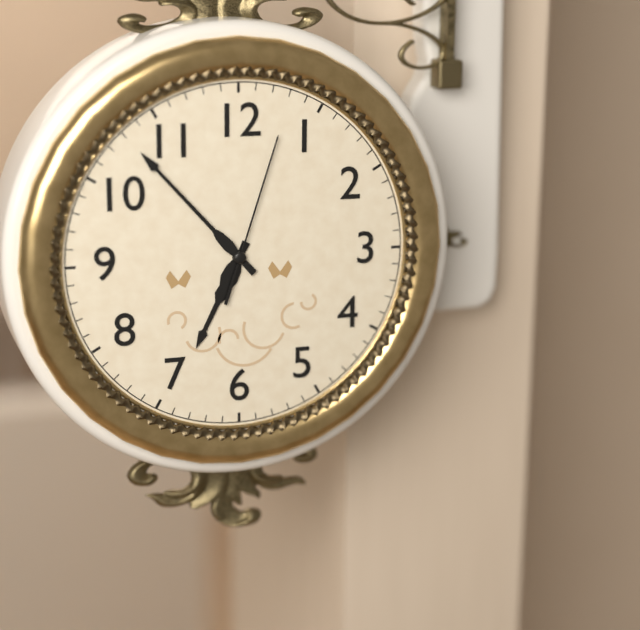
6:53:03
